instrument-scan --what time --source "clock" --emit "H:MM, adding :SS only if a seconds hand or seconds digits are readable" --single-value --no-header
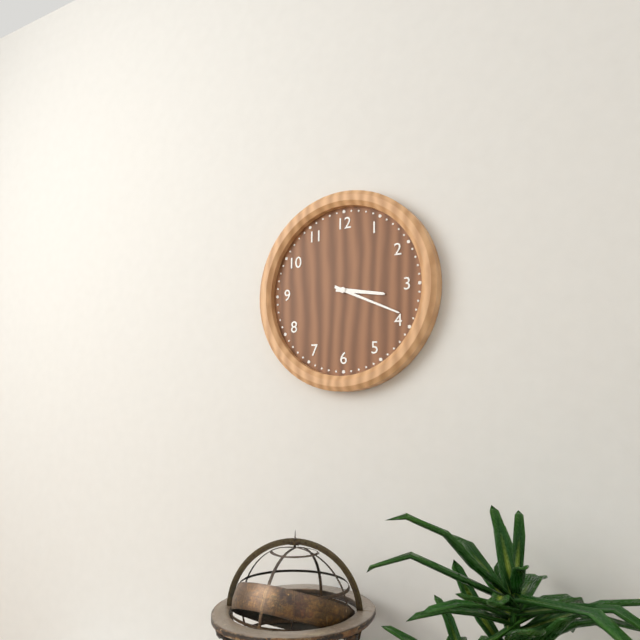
3:19
